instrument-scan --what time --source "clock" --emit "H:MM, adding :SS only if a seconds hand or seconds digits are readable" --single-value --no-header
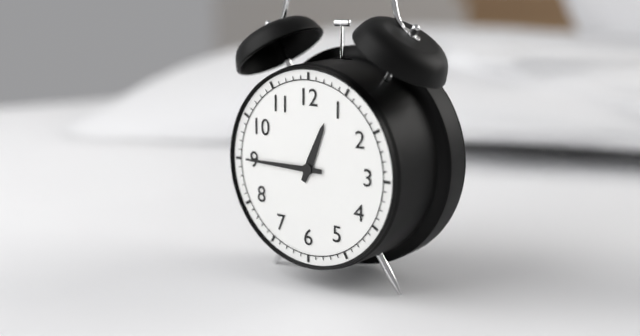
12:45
